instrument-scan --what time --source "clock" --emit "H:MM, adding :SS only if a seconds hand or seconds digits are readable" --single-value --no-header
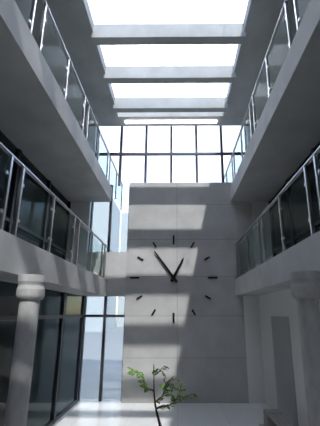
12:54
